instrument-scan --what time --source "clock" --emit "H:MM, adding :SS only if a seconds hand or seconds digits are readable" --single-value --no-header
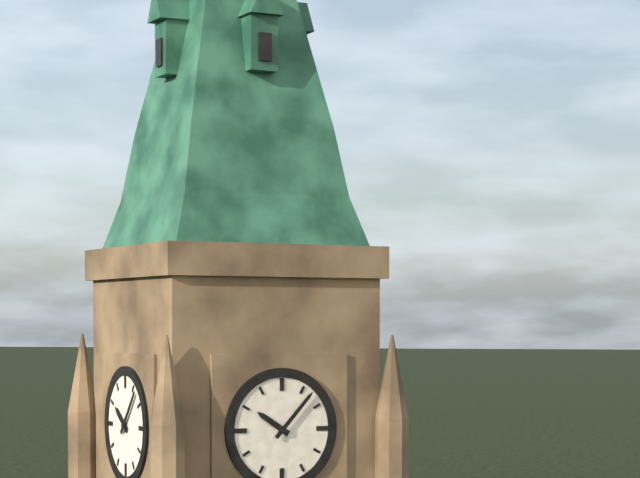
10:07
